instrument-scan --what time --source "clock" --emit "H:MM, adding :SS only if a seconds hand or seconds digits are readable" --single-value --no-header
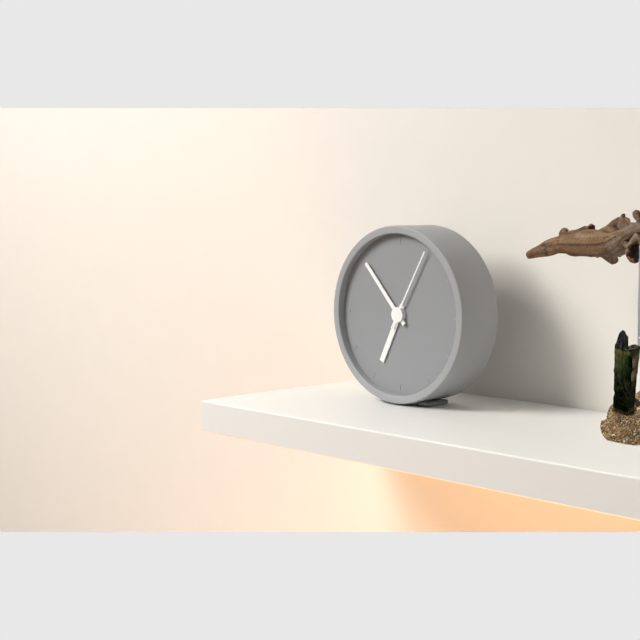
6:53:05
